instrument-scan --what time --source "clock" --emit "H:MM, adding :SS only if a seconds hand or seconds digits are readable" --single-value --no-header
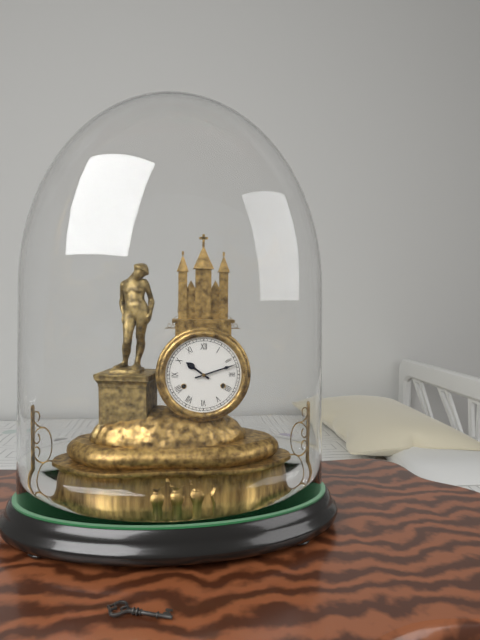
10:12
